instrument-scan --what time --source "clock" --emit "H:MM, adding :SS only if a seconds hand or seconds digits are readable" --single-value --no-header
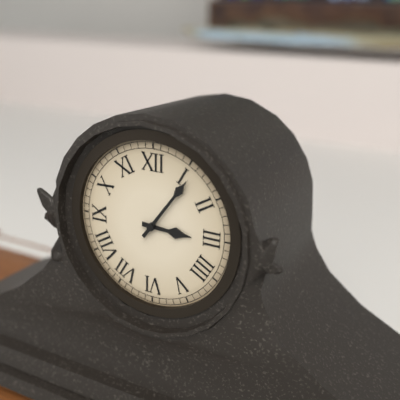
3:06
